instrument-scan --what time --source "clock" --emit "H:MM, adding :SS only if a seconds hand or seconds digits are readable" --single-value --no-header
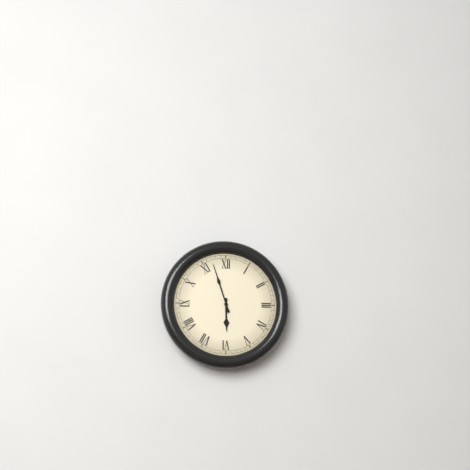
5:57
